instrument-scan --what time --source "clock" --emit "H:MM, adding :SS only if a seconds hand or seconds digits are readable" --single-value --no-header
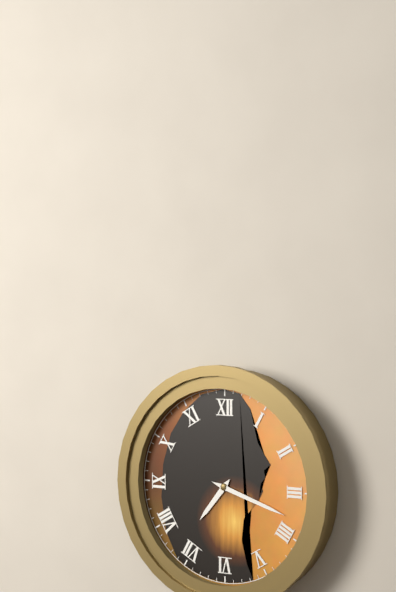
7:18
